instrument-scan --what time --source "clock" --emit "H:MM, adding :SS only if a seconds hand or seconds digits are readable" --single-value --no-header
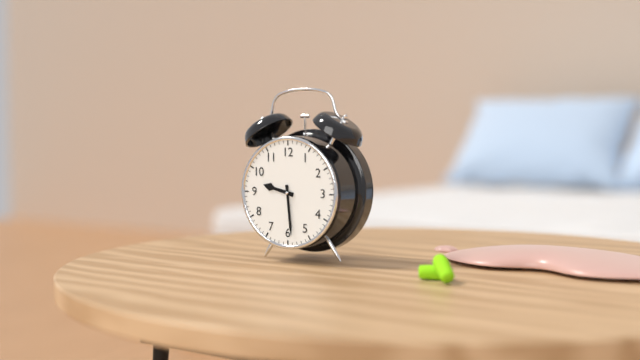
9:29
